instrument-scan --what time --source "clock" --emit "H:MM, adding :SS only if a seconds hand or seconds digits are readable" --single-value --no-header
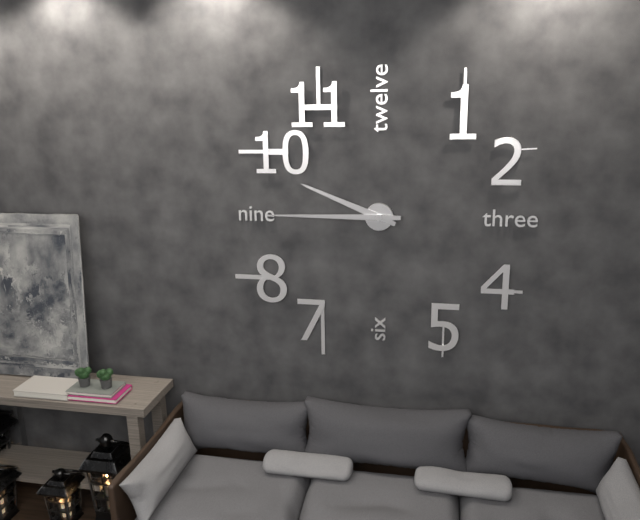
9:45
